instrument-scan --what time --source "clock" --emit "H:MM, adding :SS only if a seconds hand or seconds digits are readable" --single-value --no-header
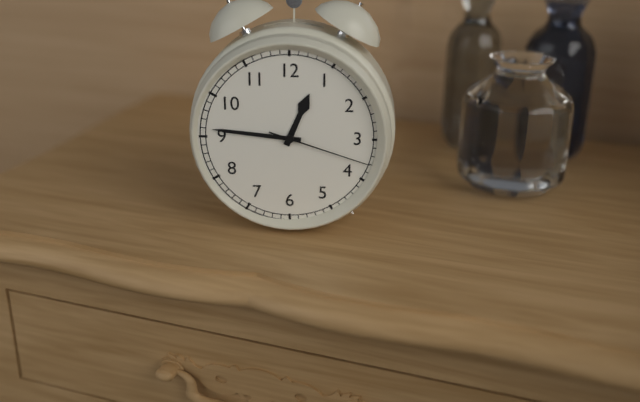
12:46:18
